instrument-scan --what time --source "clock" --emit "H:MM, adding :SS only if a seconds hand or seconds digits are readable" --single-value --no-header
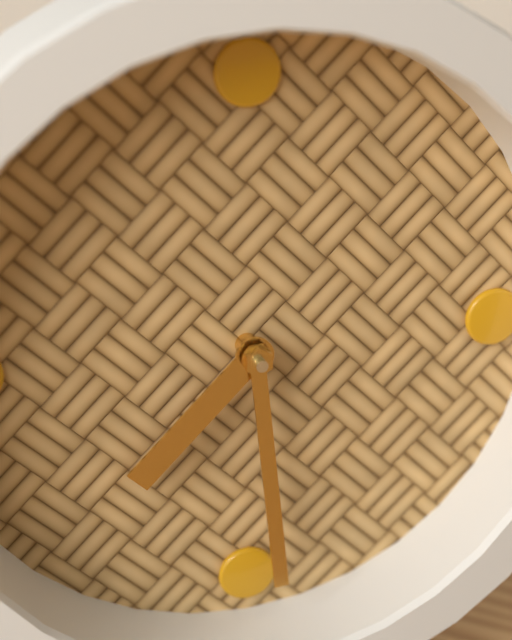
7:29
